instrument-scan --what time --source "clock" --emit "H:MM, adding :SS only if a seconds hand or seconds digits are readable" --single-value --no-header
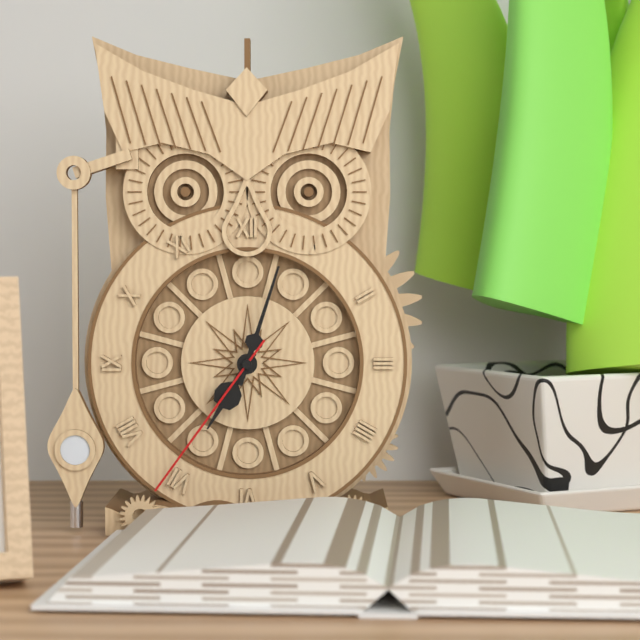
7:03:36
